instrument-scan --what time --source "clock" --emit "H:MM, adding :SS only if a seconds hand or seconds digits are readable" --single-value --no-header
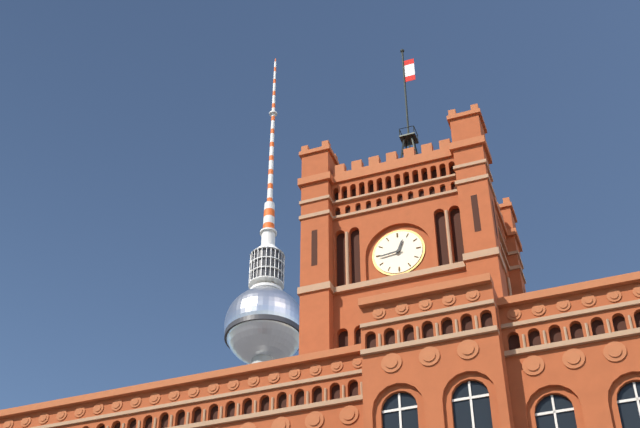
12:44
